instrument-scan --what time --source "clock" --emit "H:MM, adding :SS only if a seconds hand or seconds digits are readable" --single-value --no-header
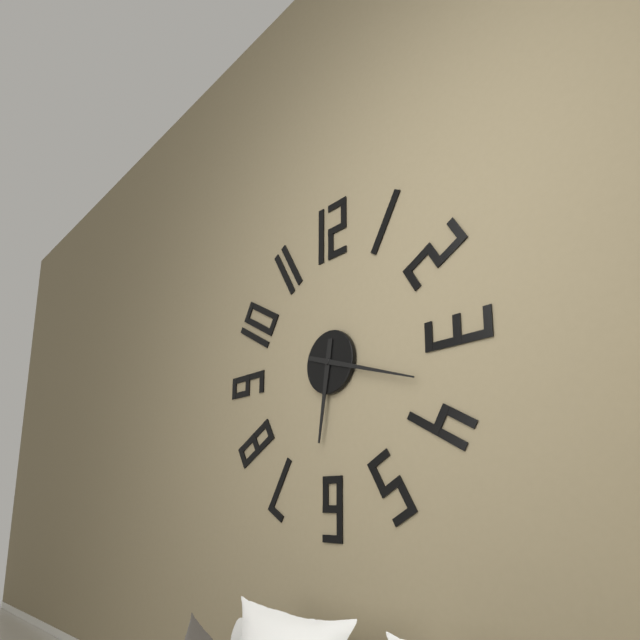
6:18
